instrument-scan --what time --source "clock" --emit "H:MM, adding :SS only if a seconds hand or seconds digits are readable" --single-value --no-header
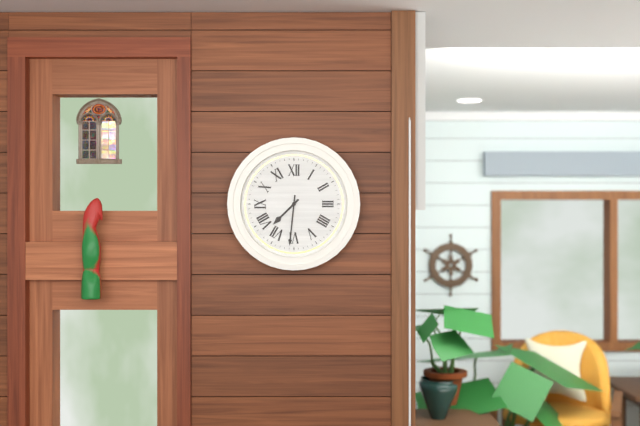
7:31
